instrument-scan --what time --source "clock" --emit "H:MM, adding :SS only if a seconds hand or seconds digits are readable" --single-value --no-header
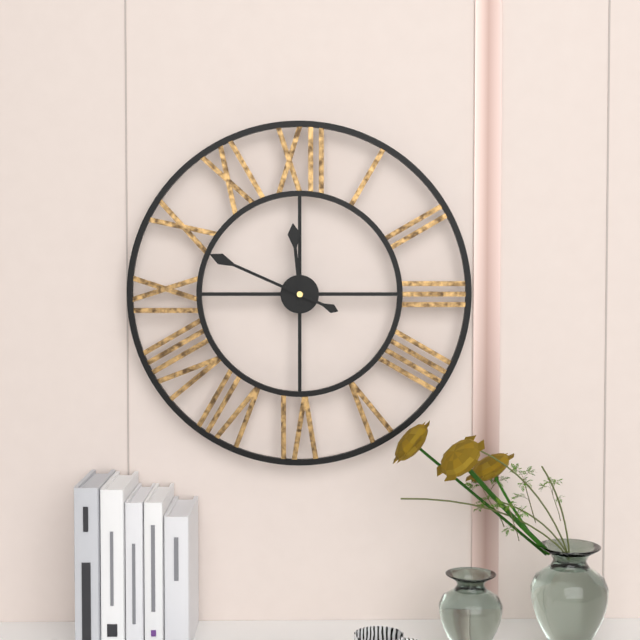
11:49
